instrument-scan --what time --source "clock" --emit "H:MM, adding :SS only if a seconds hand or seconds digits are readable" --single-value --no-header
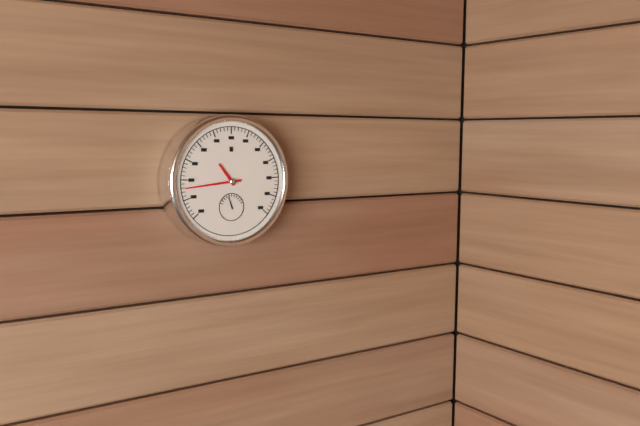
10:44
